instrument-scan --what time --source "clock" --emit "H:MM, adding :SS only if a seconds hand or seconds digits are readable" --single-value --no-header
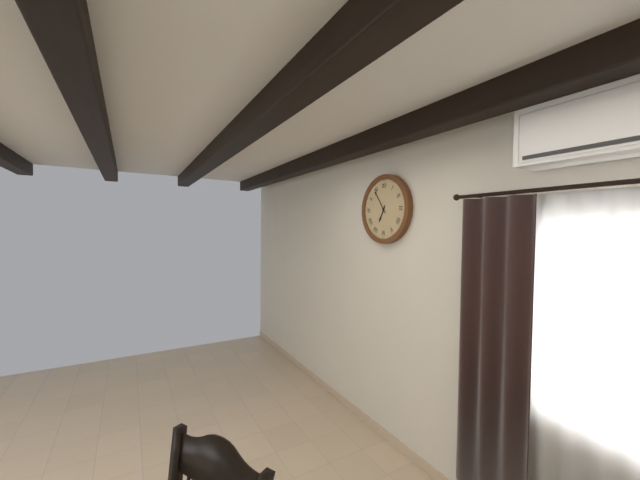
6:54
